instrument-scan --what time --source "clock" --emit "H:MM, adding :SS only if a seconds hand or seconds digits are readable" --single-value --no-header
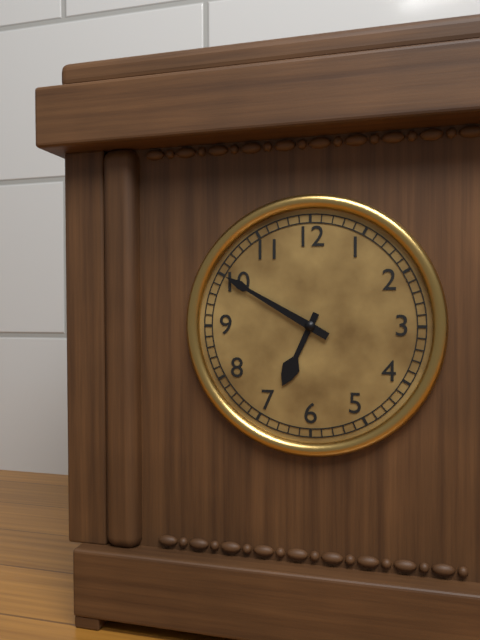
6:50
